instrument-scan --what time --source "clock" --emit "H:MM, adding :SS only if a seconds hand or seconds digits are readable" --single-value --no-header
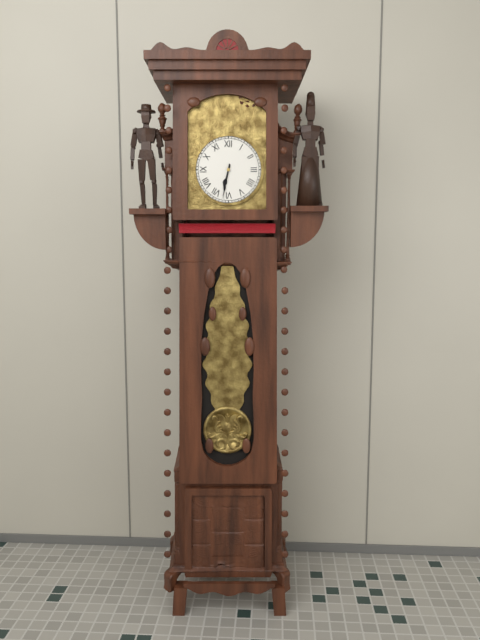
6:32
